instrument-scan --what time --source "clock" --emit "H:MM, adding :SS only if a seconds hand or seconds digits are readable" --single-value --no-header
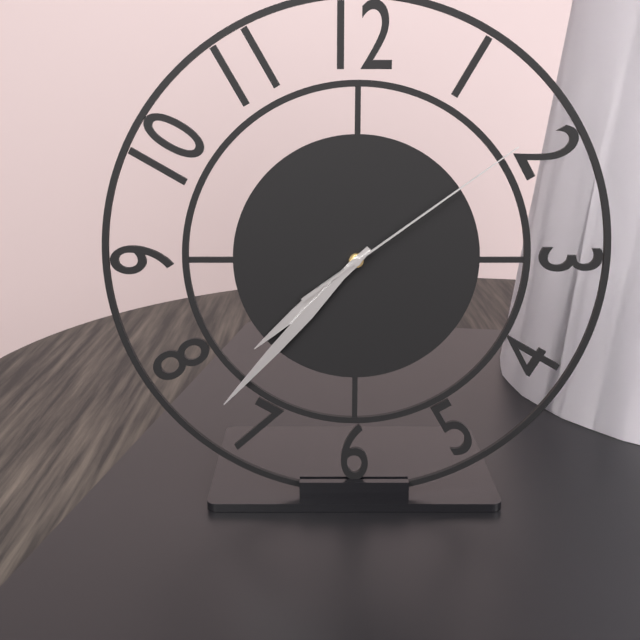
7:37:09
